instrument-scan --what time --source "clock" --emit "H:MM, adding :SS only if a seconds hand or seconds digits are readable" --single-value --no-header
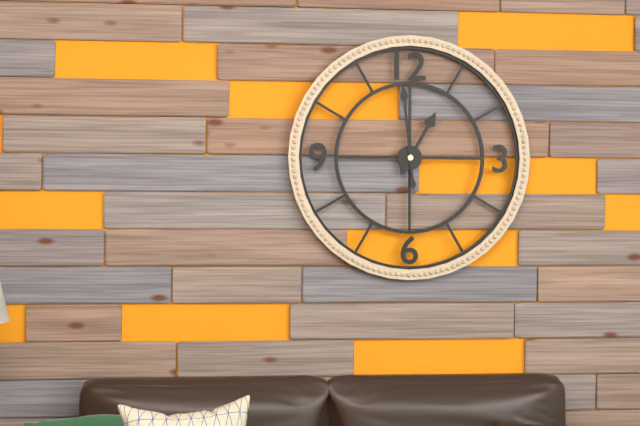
12:59
